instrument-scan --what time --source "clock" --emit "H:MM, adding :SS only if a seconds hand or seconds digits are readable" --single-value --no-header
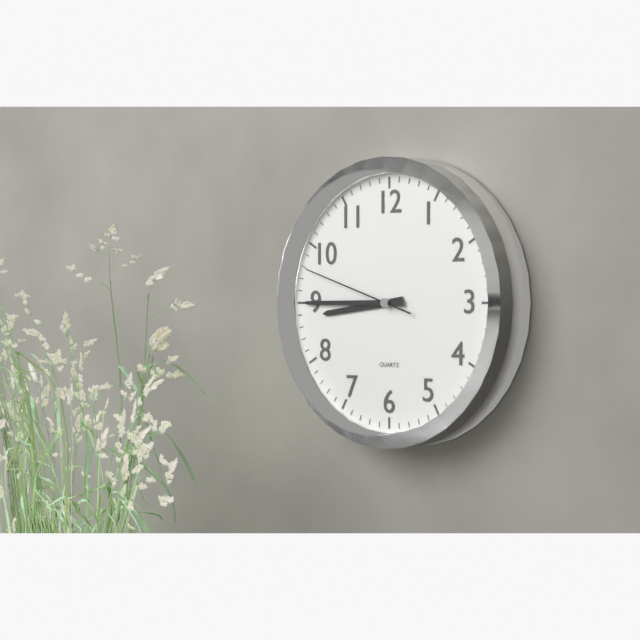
8:45:48
